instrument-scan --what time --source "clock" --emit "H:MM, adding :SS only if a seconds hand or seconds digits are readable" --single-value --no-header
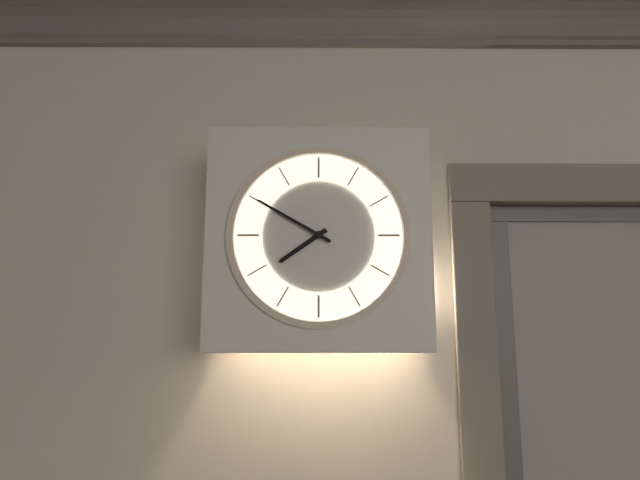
7:50
